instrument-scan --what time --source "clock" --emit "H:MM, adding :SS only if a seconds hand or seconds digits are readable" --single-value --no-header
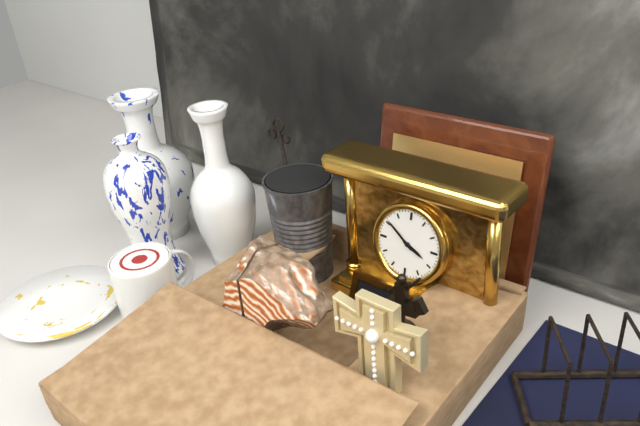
3:51
